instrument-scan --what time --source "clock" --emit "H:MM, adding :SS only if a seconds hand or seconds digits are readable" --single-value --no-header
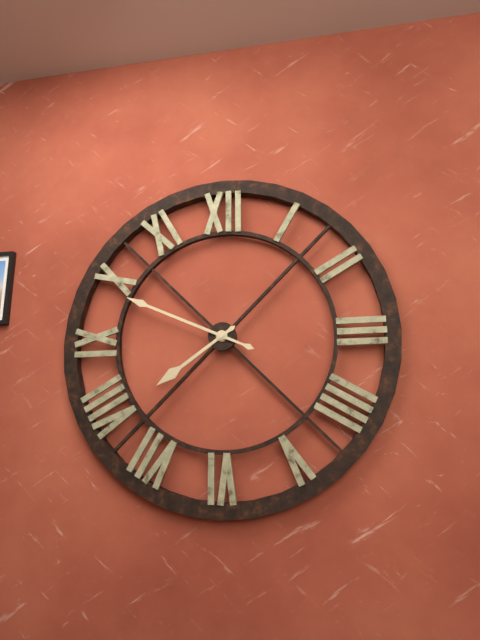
7:49
